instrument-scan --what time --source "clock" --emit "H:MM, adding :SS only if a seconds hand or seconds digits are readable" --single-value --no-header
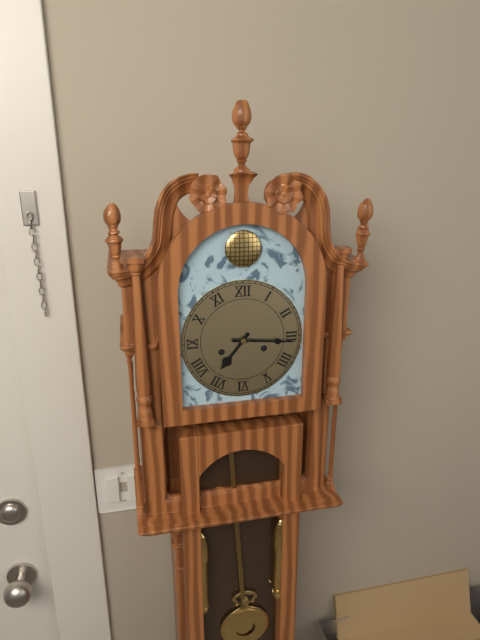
7:16
